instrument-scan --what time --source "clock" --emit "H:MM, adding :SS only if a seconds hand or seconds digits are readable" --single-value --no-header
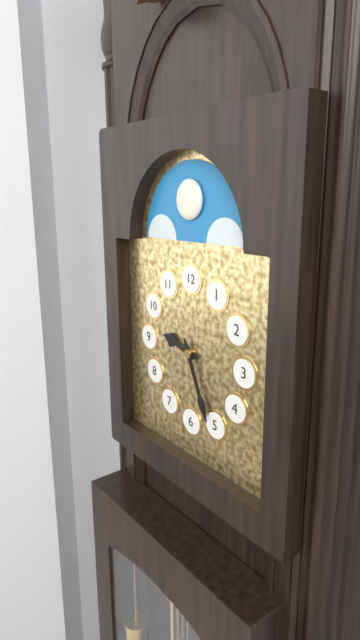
9:26
